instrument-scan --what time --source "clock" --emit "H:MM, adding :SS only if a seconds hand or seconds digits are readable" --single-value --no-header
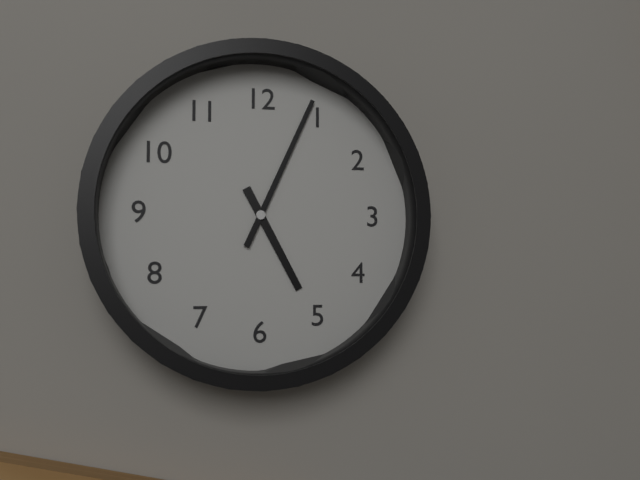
5:04
